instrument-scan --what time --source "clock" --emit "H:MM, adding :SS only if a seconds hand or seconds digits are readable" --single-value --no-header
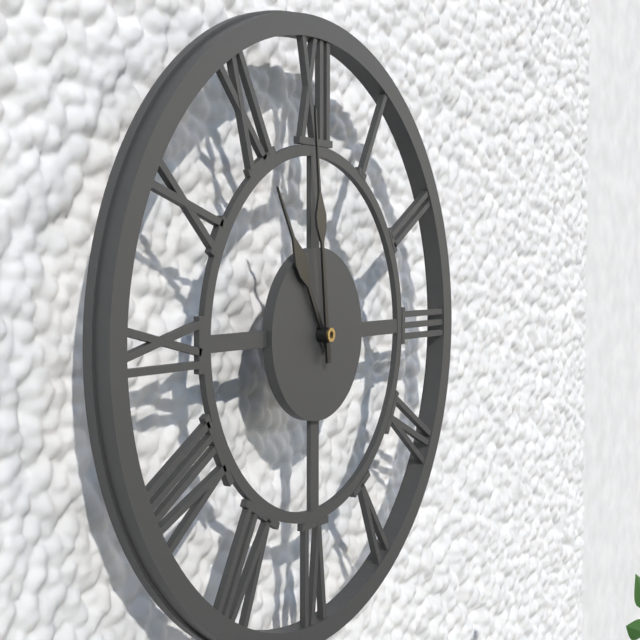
10:59
